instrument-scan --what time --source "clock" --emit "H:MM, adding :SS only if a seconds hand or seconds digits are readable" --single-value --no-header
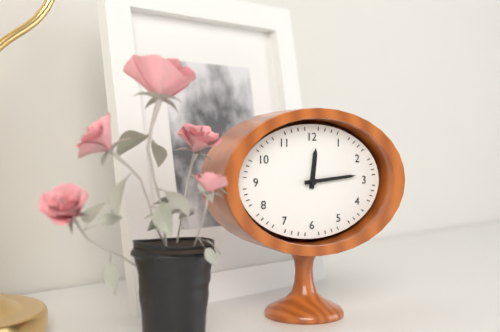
12:14
